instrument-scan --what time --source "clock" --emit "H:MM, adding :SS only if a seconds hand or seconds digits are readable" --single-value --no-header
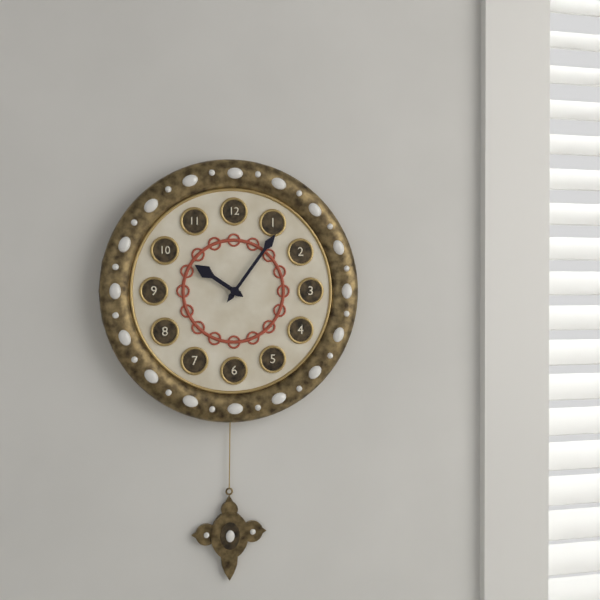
10:06
